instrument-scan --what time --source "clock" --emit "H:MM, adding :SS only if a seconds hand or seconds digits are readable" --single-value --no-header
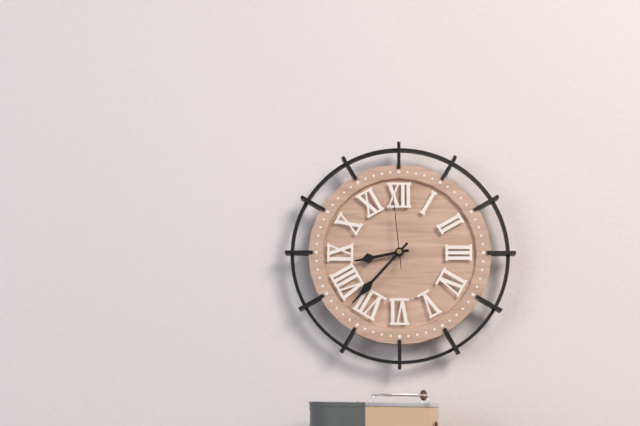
8:37:59
